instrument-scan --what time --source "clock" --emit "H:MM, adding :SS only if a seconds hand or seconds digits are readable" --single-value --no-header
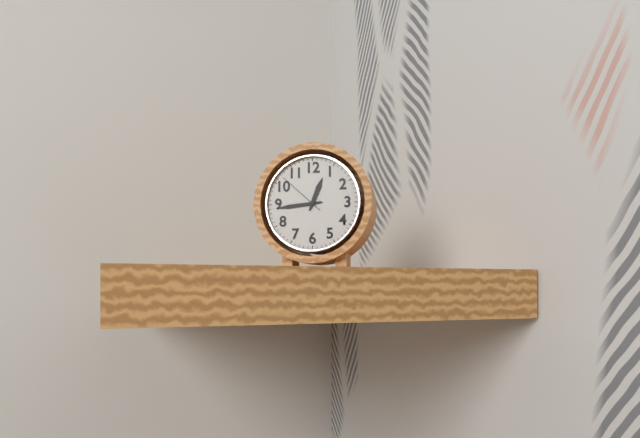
12:44
